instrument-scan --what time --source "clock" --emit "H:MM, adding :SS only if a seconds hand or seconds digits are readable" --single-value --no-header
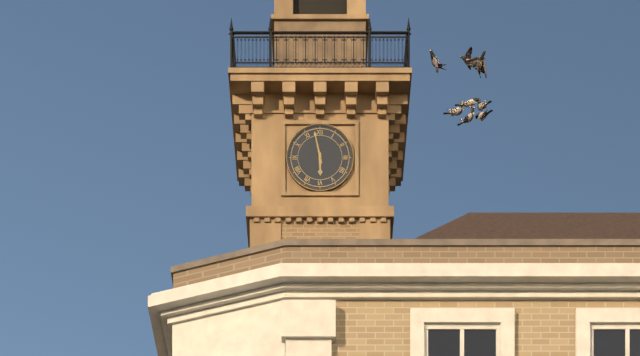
5:58
